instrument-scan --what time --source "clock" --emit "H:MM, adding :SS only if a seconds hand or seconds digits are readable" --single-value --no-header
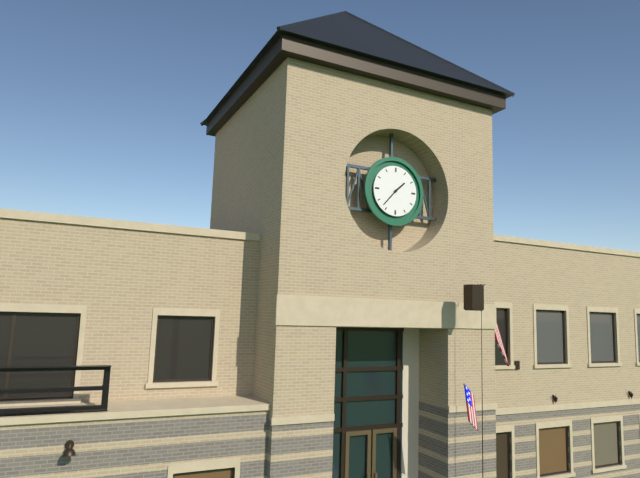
1:37
